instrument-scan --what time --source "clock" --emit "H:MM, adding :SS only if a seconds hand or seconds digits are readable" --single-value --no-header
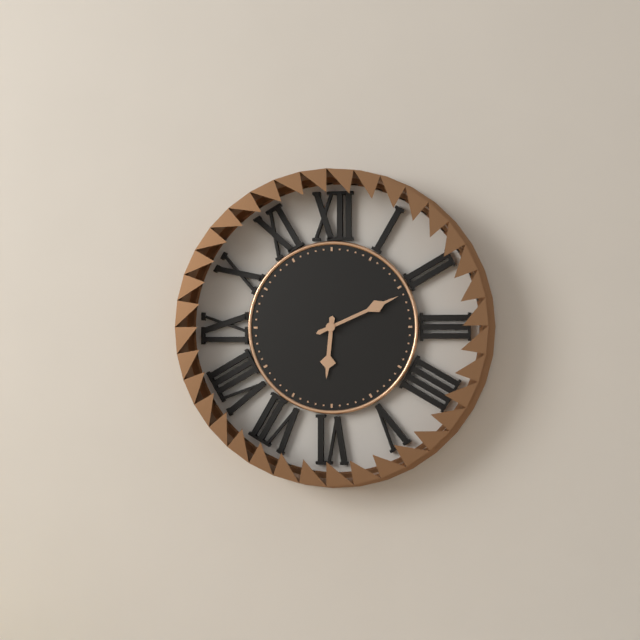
6:11
